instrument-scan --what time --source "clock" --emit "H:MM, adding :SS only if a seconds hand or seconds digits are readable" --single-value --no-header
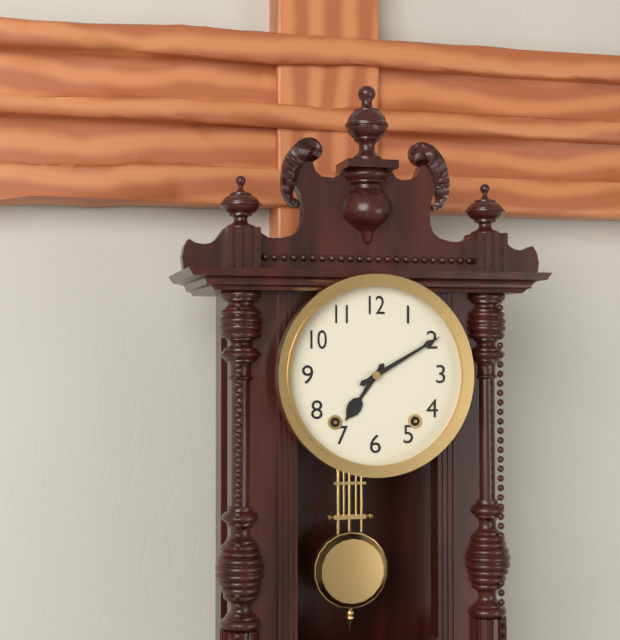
7:10
